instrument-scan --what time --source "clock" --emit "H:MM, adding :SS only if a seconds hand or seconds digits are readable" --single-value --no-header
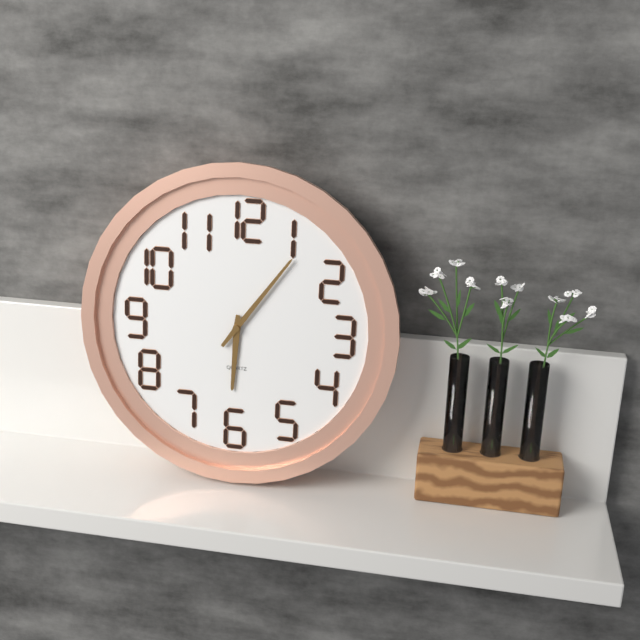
6:06
